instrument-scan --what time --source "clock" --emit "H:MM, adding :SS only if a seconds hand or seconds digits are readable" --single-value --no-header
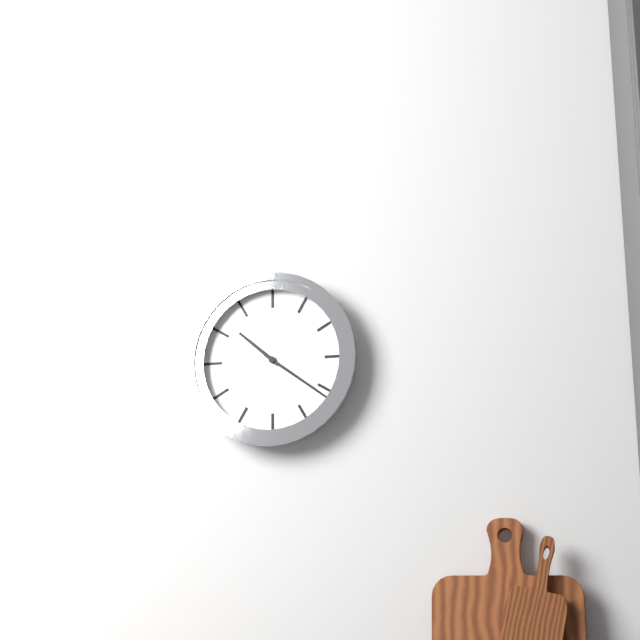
10:21
